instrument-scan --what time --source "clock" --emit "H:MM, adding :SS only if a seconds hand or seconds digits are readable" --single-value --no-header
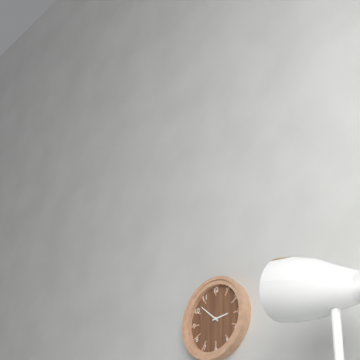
2:52
